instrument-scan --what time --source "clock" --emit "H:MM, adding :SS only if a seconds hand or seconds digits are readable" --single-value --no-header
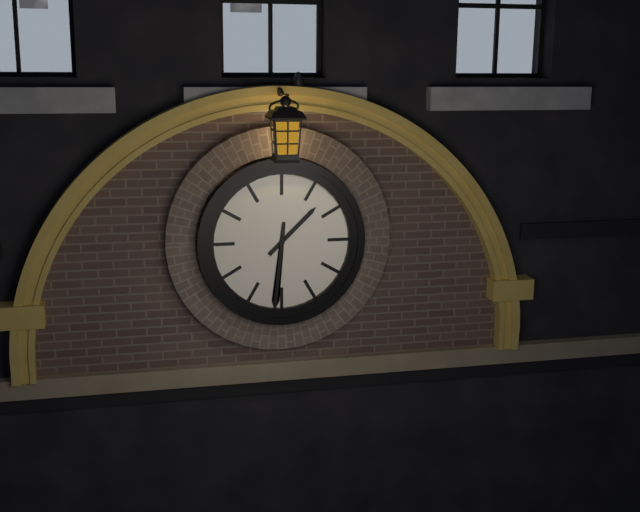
1:31
